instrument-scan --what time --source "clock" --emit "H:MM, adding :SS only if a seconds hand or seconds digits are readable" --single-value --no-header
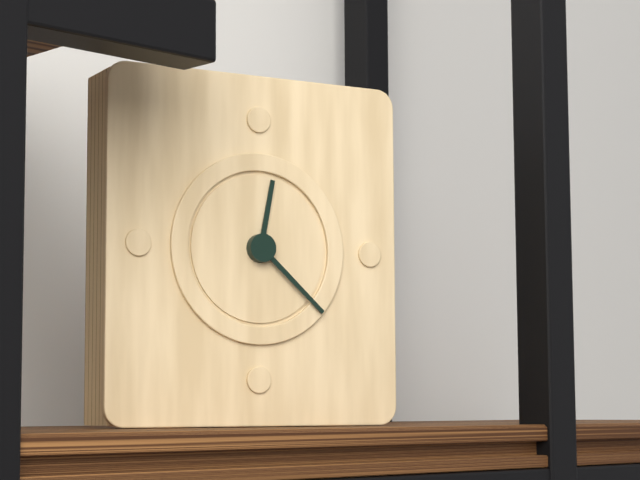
12:22
